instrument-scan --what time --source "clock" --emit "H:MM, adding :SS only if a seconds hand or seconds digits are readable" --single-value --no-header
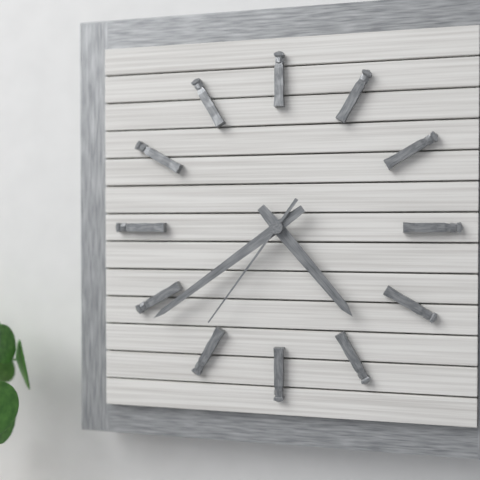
4:39:36
